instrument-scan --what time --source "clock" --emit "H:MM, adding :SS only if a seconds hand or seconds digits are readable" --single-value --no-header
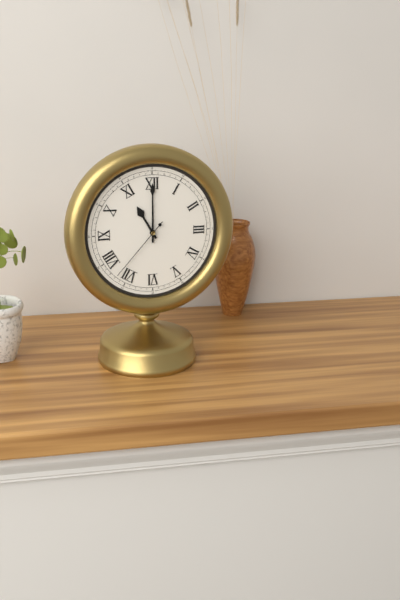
11:00:37
